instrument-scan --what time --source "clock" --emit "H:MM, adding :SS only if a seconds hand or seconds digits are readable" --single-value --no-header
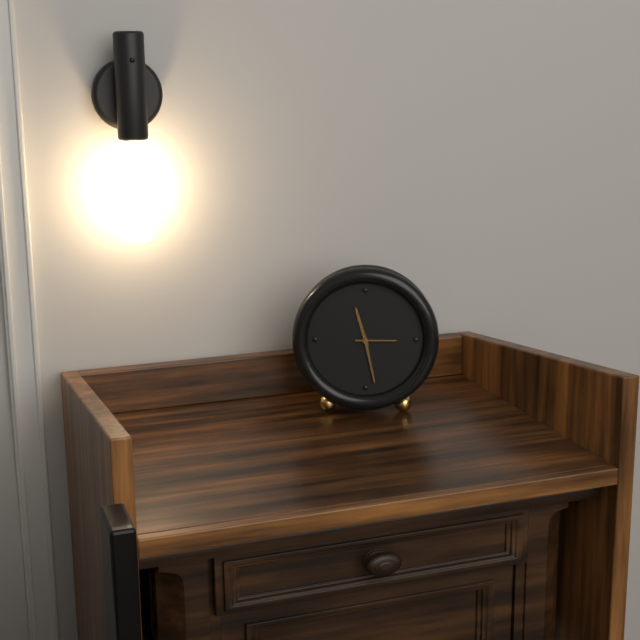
11:28
